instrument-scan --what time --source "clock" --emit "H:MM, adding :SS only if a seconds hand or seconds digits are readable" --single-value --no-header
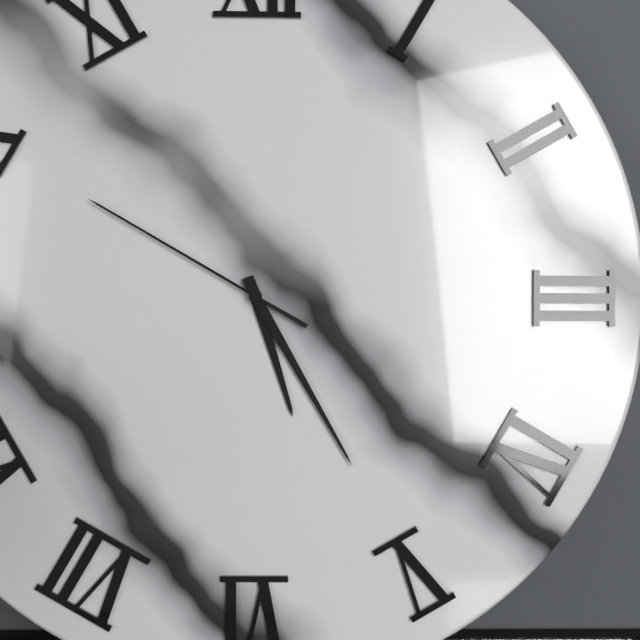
5:25:50
